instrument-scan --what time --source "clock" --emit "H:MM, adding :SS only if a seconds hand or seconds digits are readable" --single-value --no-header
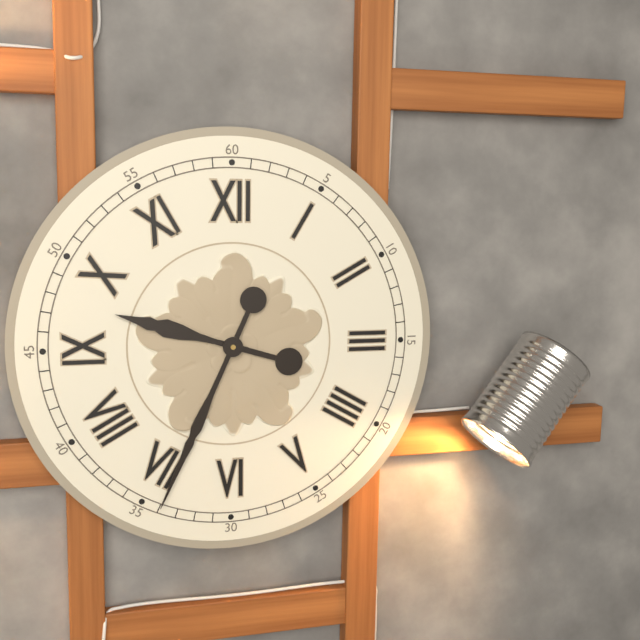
9:34
